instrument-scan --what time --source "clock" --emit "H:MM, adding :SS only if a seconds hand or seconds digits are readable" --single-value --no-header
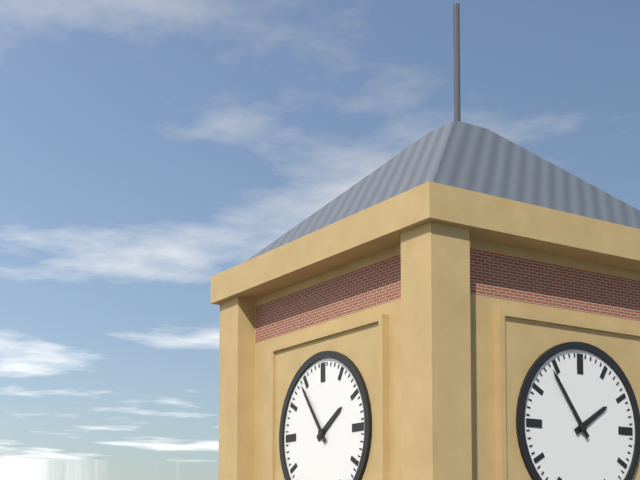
1:54
